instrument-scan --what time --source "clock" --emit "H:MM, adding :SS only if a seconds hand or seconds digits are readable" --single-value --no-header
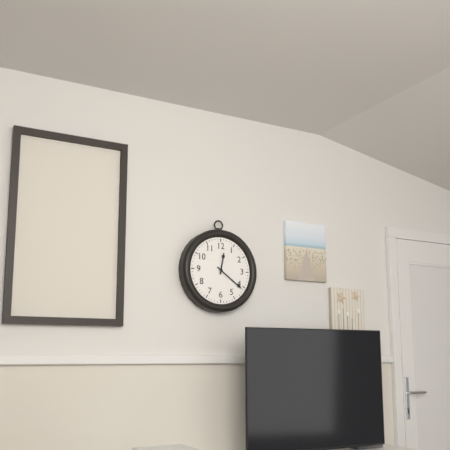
12:21
